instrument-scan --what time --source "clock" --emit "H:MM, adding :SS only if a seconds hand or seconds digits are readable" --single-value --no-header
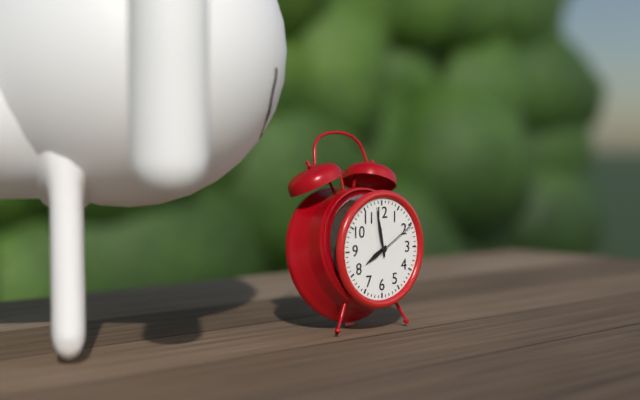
7:58
